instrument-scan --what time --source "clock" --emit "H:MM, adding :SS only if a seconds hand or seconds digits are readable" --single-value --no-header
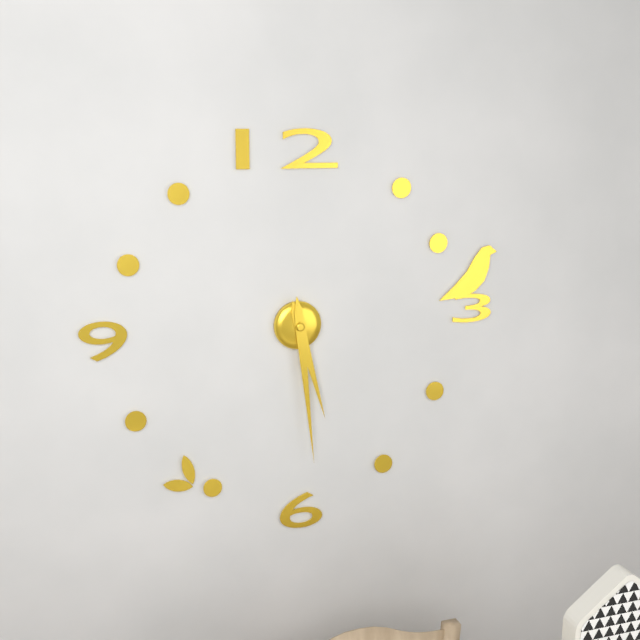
5:29
